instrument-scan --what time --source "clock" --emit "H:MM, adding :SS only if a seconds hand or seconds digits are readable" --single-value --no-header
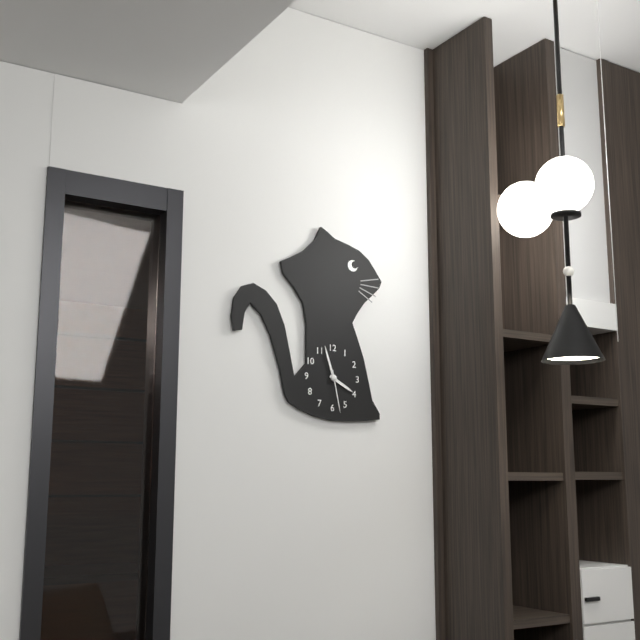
3:57
